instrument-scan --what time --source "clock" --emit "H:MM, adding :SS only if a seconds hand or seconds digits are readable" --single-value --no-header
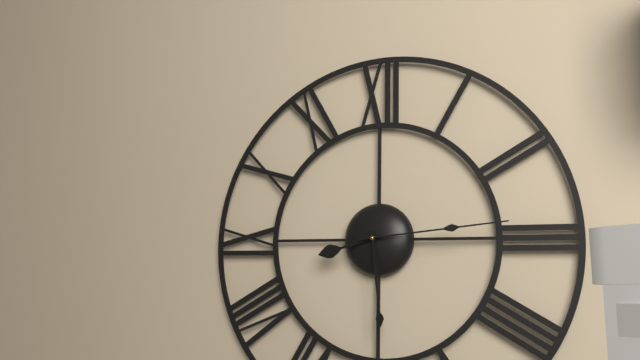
8:29:14
